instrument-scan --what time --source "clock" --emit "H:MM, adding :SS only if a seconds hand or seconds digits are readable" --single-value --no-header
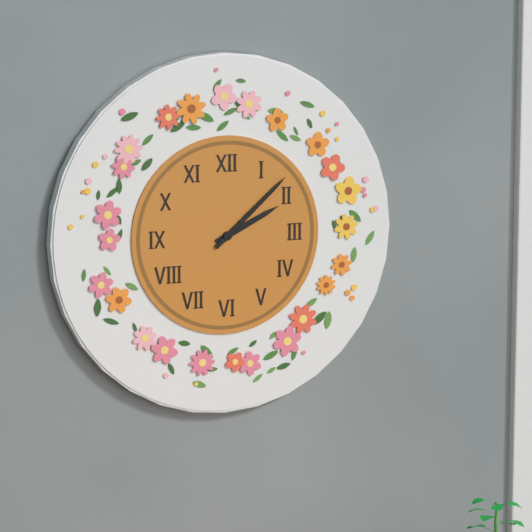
2:08
